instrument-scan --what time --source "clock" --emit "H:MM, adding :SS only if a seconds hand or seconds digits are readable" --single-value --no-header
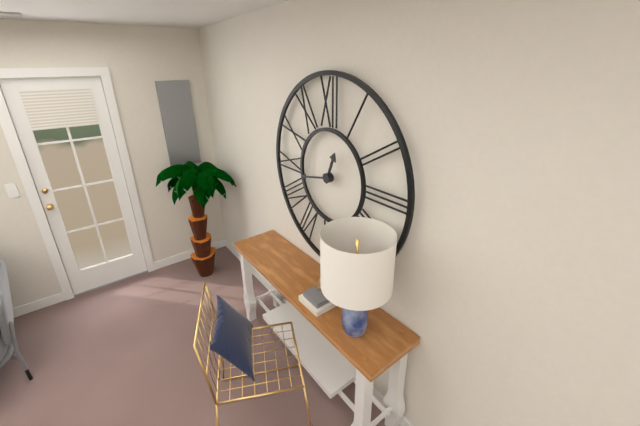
12:43
